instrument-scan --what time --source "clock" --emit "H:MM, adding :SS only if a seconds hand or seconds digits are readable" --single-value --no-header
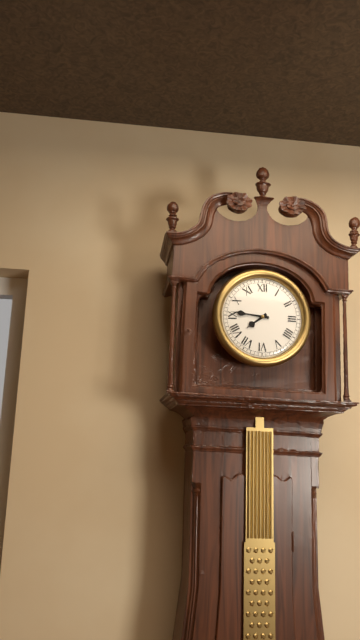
7:46
